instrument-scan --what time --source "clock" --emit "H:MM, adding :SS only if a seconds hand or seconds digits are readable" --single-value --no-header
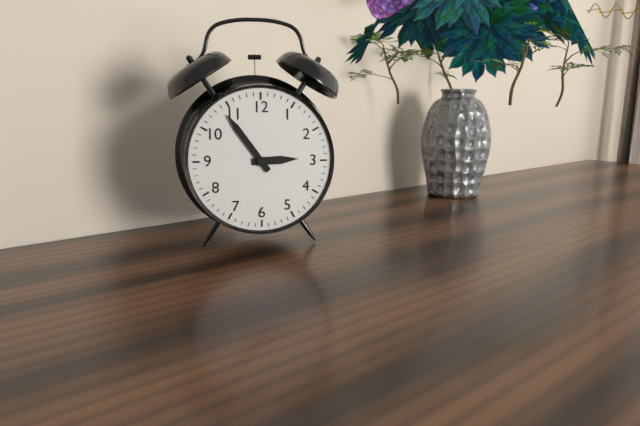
2:54
